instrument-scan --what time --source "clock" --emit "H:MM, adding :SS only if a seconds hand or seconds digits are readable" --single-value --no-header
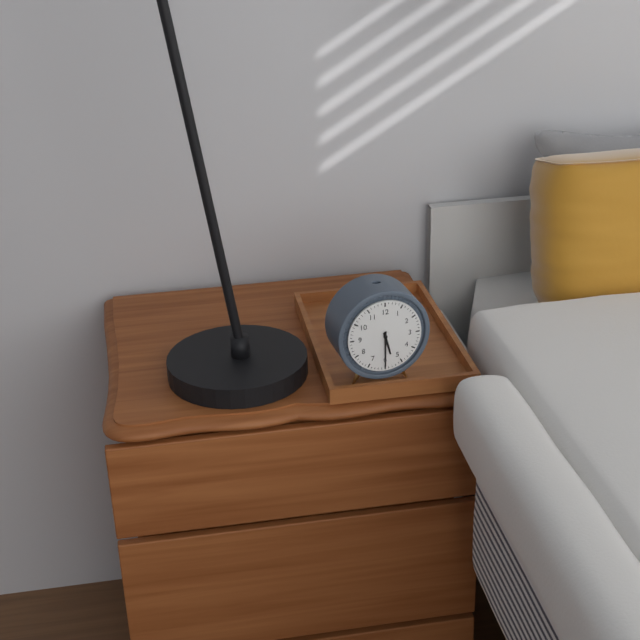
5:30
